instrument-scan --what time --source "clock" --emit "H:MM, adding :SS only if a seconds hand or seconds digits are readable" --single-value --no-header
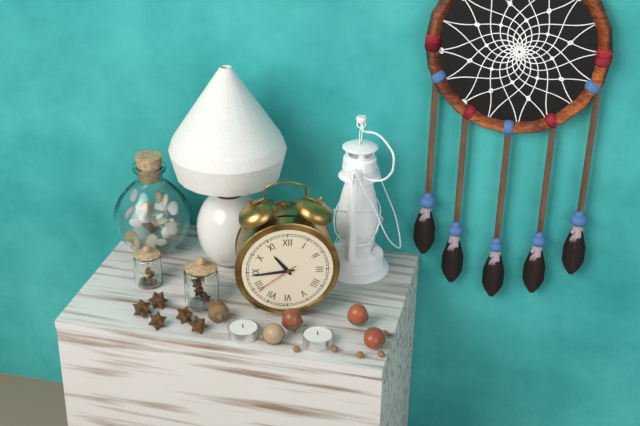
10:44
